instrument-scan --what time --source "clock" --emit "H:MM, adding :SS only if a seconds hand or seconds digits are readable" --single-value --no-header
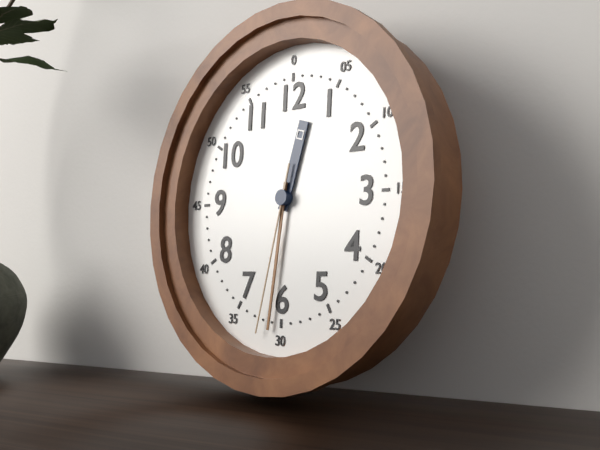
12:31:32
